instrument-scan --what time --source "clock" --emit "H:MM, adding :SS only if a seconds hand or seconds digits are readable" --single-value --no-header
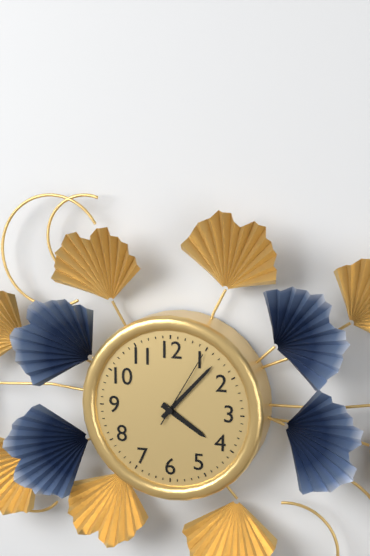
4:07:05
